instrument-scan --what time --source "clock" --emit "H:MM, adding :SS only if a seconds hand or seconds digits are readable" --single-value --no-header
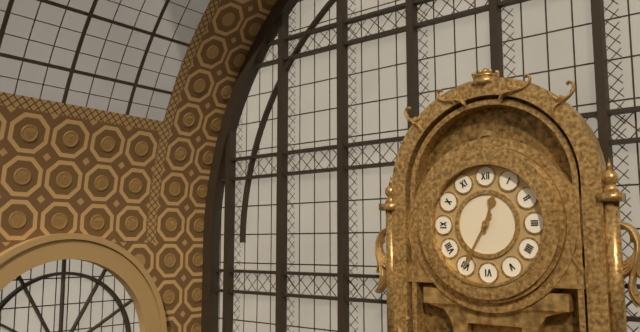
12:35
